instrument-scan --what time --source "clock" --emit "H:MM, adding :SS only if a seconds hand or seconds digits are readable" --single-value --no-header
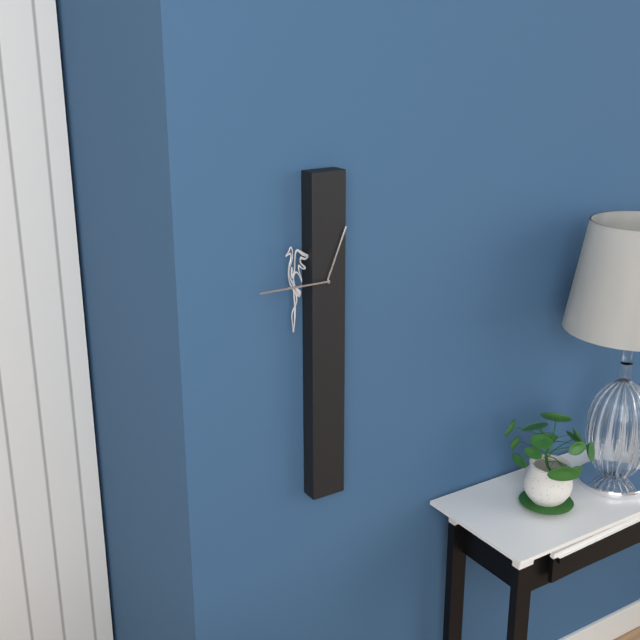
12:45
